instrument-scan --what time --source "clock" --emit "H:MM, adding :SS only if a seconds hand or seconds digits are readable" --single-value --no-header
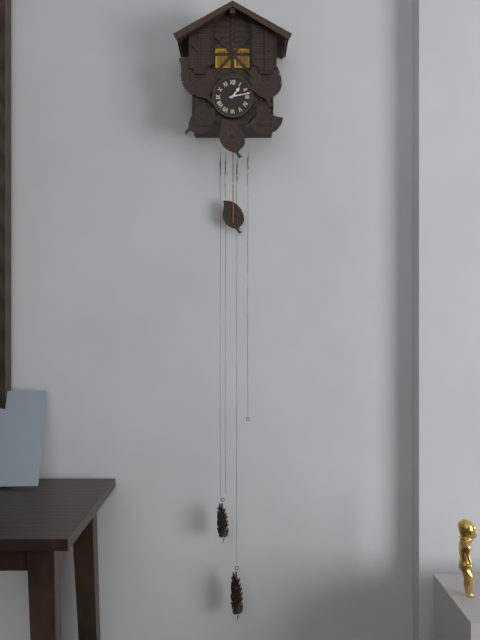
1:13
